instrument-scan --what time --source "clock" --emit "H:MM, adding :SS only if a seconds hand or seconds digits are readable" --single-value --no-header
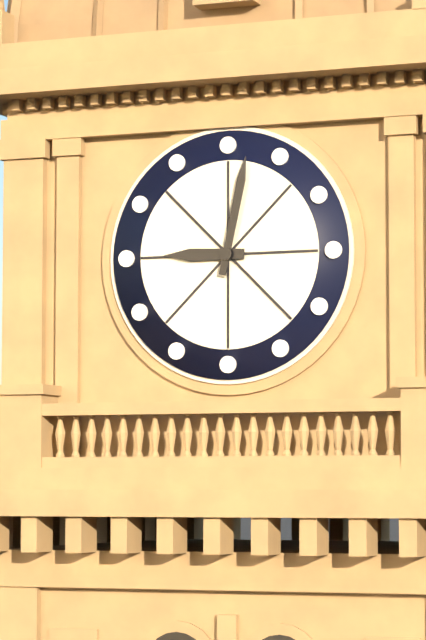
9:02
